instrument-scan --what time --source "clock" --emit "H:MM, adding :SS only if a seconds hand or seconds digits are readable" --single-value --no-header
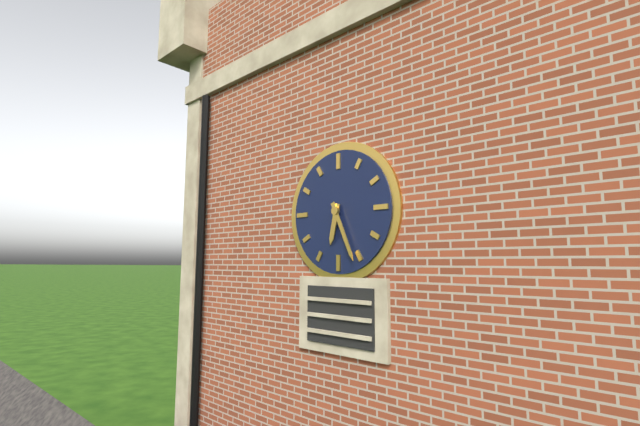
6:26
